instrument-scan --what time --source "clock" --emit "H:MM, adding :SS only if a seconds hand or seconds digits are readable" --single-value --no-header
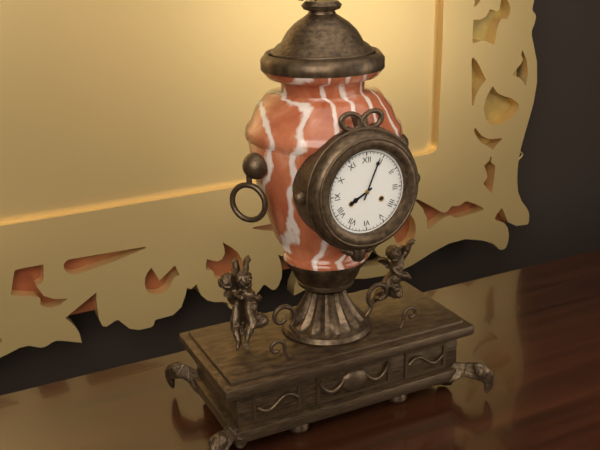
8:04
